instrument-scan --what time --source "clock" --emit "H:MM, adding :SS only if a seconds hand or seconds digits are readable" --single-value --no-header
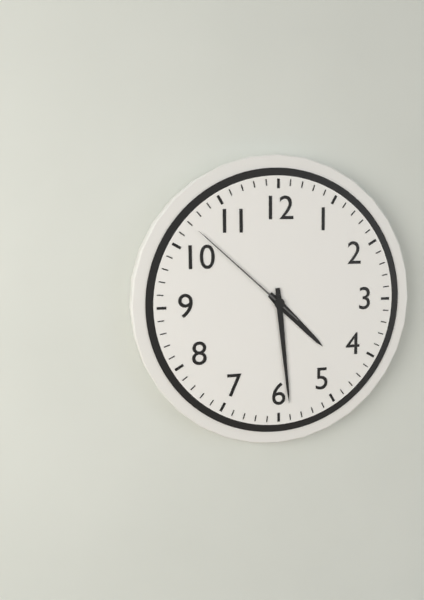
4:29:52
